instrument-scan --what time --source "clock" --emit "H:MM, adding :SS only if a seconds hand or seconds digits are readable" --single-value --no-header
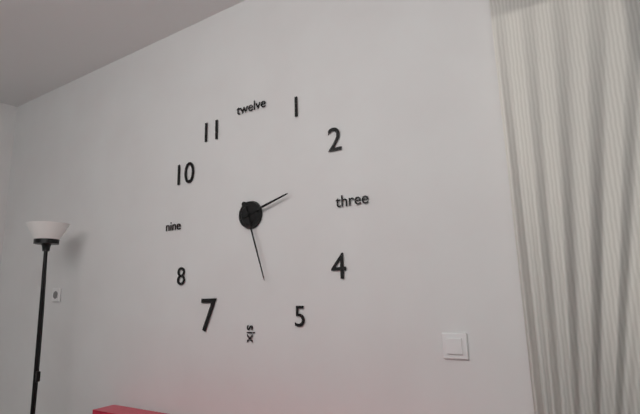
2:27
